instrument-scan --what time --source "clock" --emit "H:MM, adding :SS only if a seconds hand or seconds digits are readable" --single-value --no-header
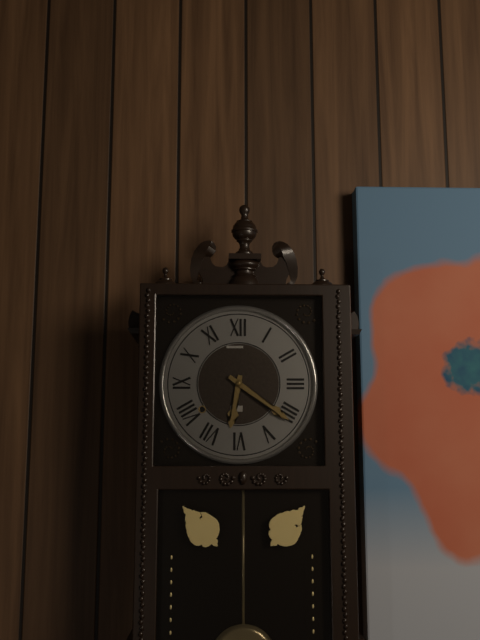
6:21
